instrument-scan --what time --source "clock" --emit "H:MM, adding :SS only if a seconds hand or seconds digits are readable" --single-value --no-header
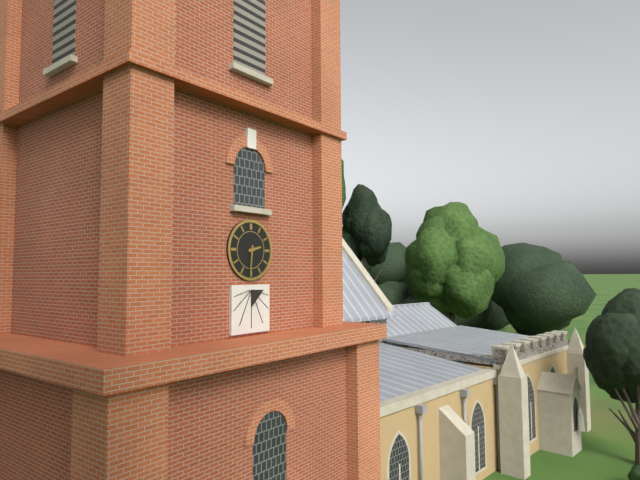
2:31
